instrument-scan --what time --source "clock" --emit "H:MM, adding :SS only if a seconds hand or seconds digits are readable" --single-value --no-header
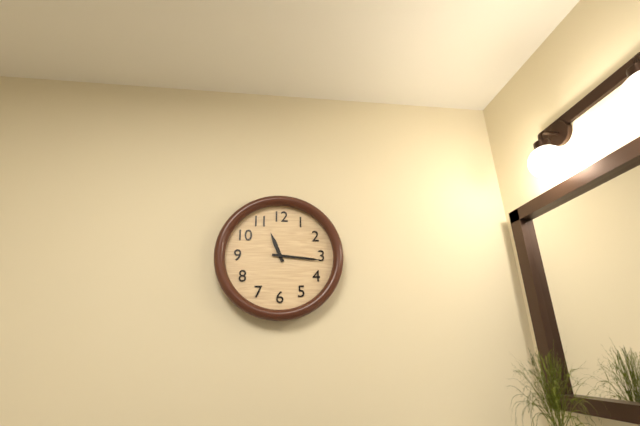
11:16
